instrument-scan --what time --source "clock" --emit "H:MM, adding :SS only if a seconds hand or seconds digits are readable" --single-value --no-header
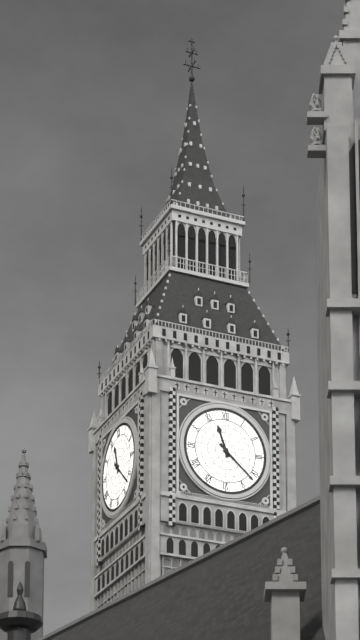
11:22
